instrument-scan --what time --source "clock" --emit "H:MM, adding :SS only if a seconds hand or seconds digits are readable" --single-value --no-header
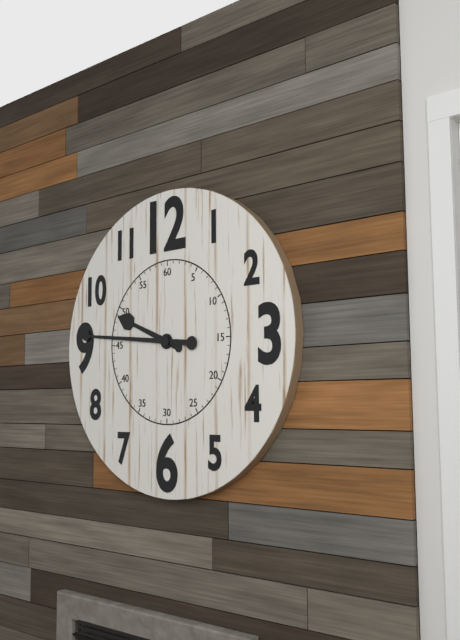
9:46
